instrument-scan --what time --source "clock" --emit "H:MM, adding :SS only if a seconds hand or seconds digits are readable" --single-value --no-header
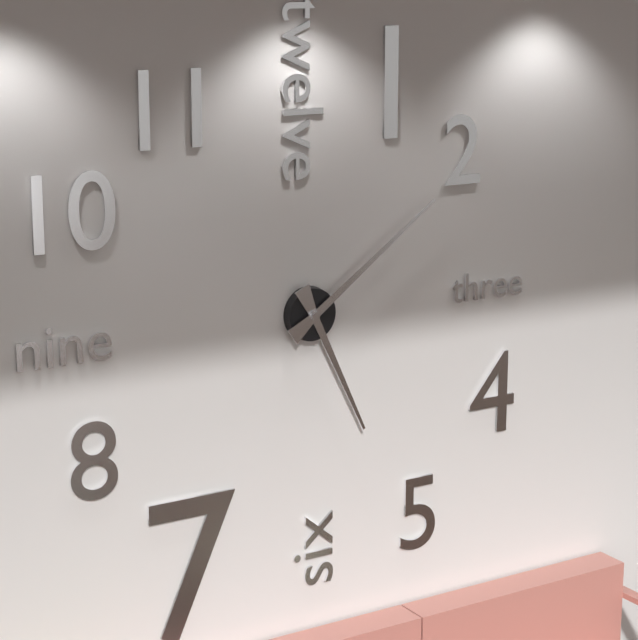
5:09
